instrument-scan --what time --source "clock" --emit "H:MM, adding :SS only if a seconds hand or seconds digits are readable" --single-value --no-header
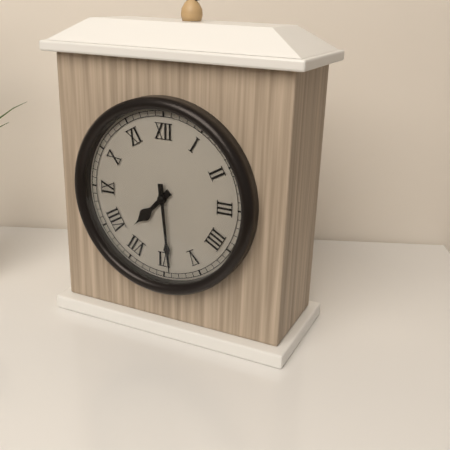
7:29
